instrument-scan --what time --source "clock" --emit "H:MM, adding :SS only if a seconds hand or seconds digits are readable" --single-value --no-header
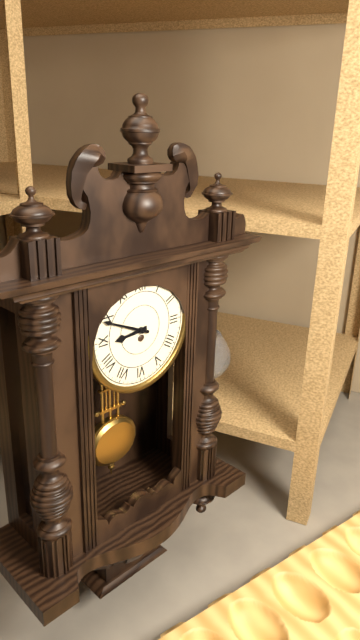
8:49
